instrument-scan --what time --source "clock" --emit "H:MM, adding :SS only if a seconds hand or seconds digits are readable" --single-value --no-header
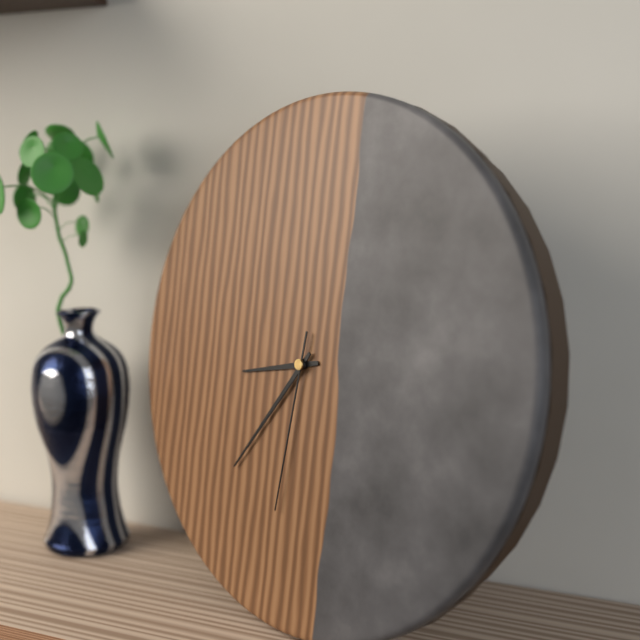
8:36:31
